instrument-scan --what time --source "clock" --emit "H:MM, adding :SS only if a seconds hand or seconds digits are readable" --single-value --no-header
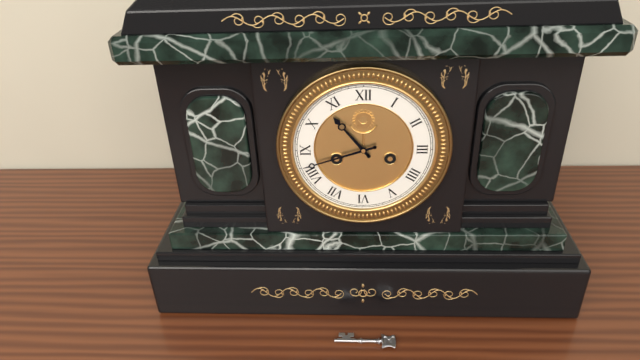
10:42
